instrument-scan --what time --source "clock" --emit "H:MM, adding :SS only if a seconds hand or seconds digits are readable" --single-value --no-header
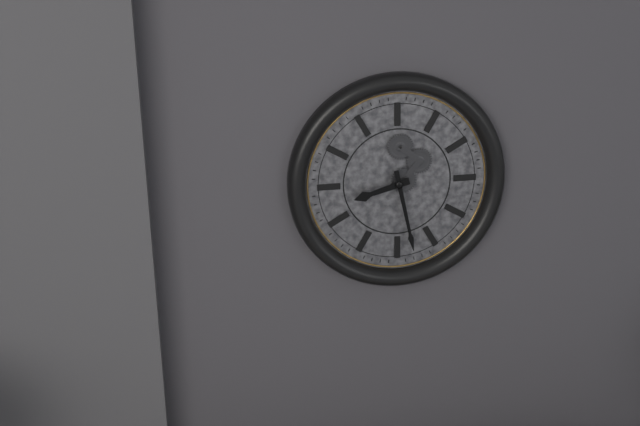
8:28
